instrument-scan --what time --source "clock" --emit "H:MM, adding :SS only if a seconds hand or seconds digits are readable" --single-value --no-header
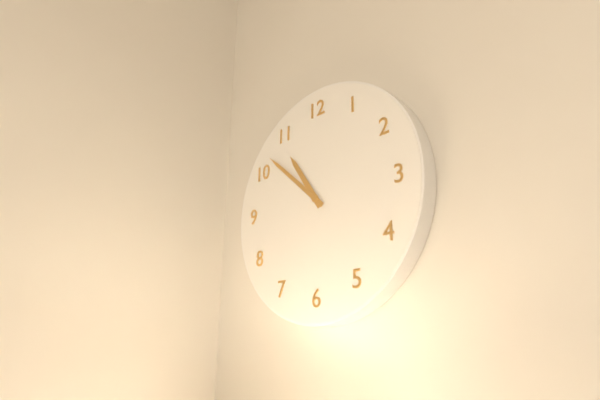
10:52
